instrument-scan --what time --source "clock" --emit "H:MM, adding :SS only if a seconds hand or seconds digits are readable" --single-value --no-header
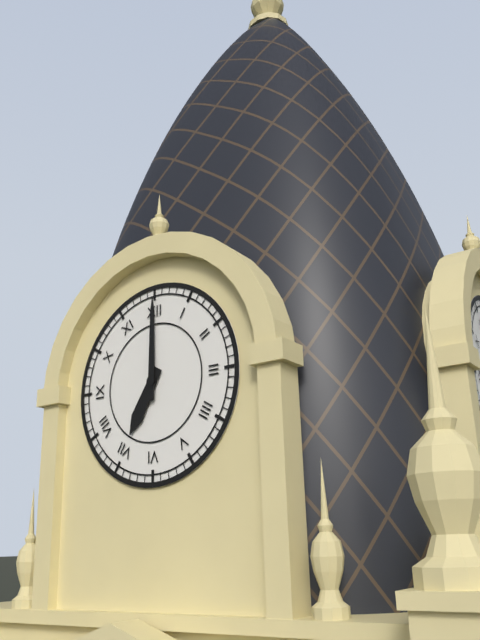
7:00
